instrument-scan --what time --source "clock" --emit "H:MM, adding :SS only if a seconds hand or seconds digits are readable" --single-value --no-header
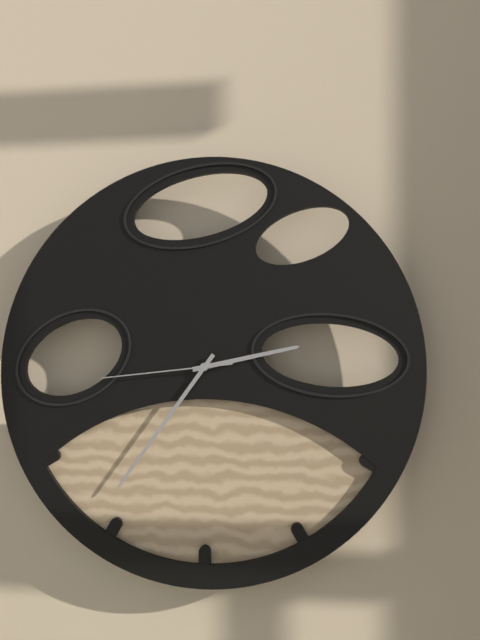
2:36:44
